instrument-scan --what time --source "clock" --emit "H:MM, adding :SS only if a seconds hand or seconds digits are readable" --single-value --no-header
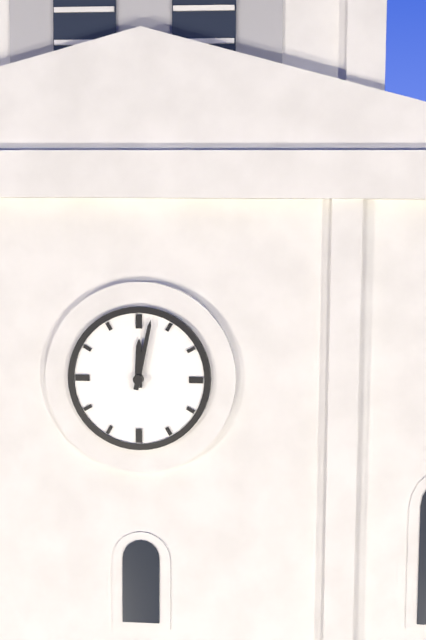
12:02
